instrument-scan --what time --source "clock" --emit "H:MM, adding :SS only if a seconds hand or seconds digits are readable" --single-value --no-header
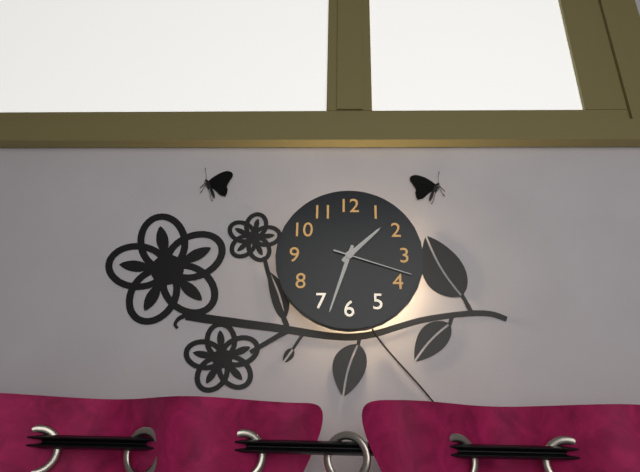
1:33:18
